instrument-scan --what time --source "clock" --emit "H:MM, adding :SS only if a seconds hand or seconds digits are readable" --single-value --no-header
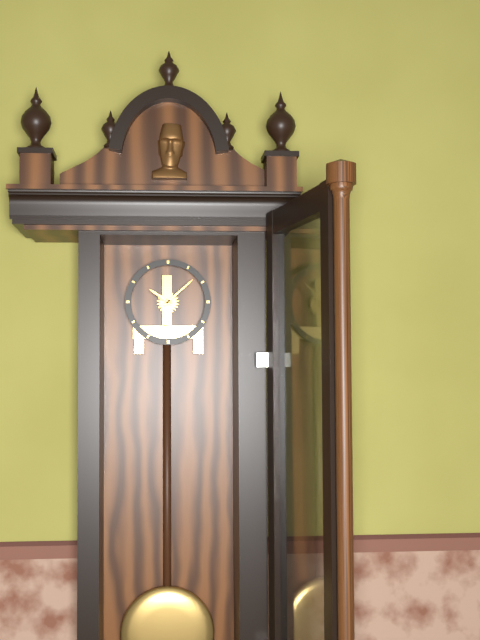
10:08
